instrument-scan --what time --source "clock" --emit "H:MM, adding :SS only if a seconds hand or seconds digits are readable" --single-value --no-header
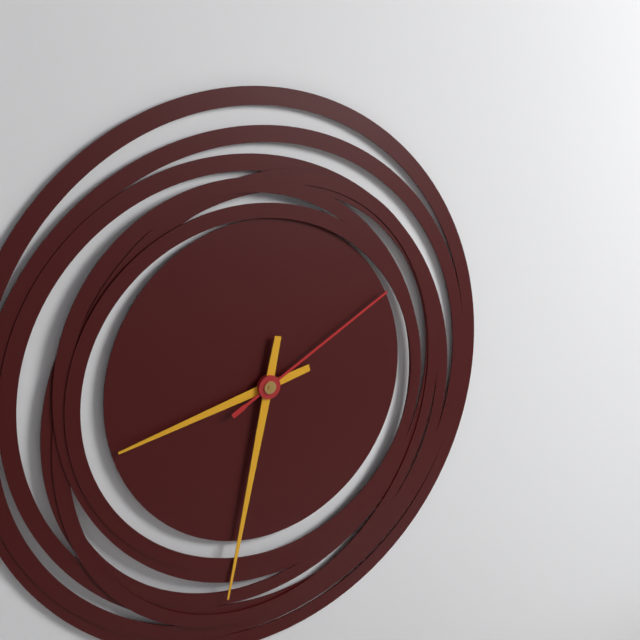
8:32:10
